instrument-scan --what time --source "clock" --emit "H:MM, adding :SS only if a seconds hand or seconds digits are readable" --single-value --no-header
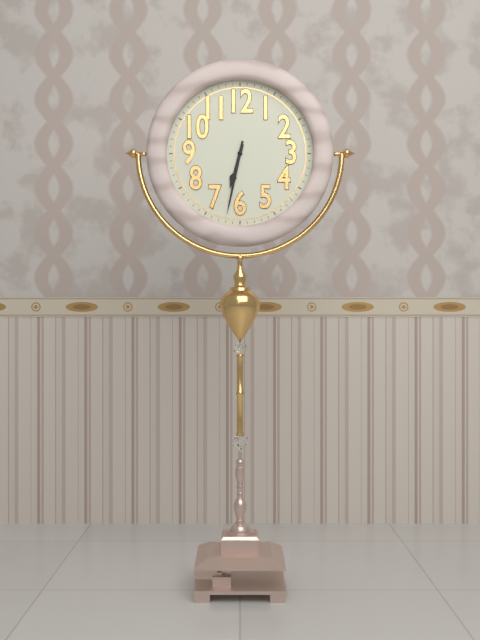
6:32
